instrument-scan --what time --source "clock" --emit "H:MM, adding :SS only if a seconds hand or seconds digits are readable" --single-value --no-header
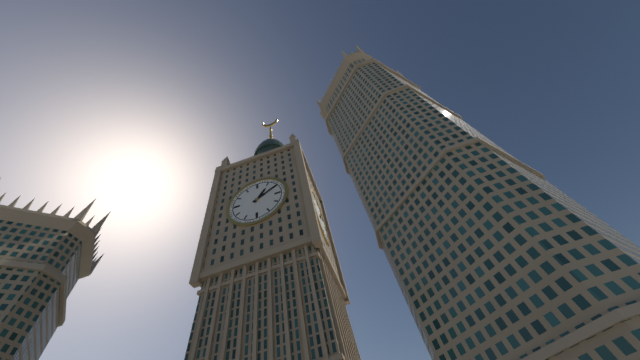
1:10
